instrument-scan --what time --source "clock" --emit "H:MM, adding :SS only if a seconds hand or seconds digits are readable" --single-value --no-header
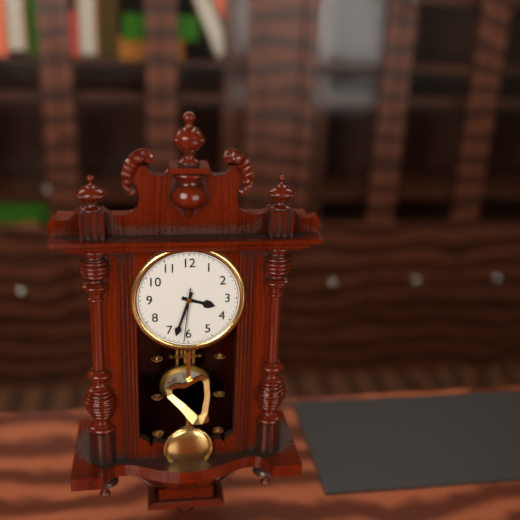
3:33:31
